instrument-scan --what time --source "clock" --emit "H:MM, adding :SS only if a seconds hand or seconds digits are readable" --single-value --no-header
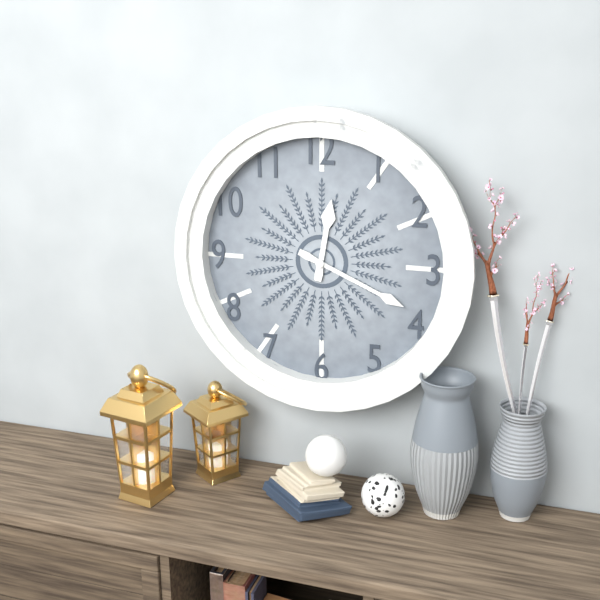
12:19
